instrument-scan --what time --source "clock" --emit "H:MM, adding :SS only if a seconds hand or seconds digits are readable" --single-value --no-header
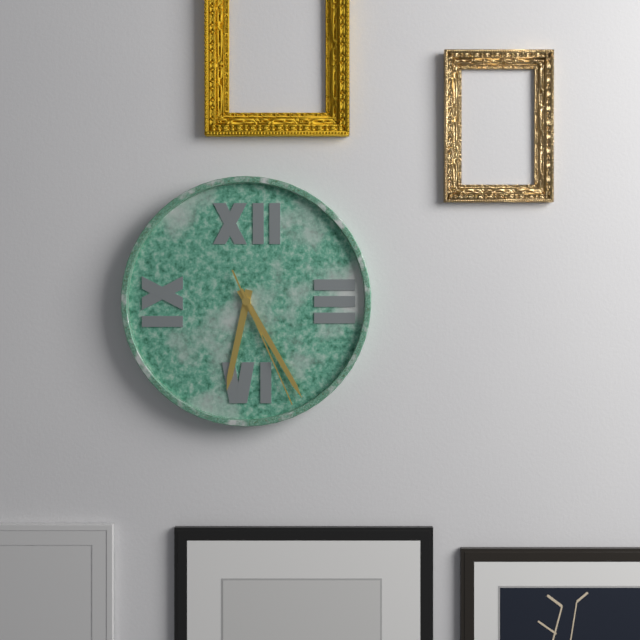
6:25:26
